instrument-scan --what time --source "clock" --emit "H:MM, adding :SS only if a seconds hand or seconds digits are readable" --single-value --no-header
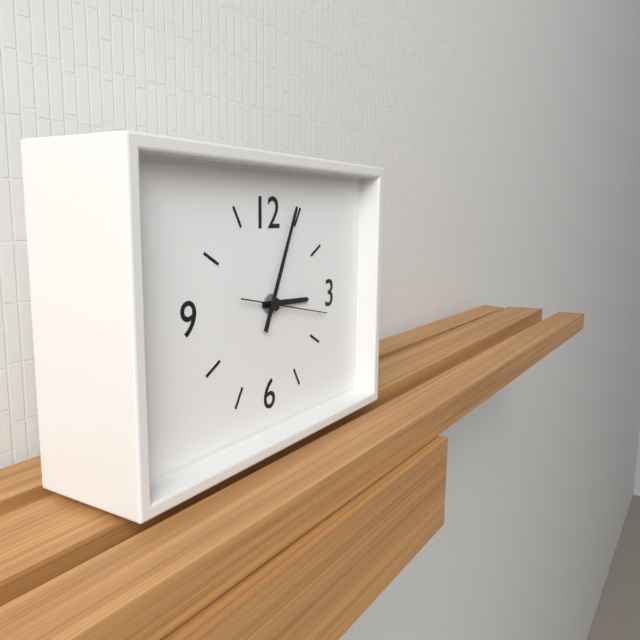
3:04:17
